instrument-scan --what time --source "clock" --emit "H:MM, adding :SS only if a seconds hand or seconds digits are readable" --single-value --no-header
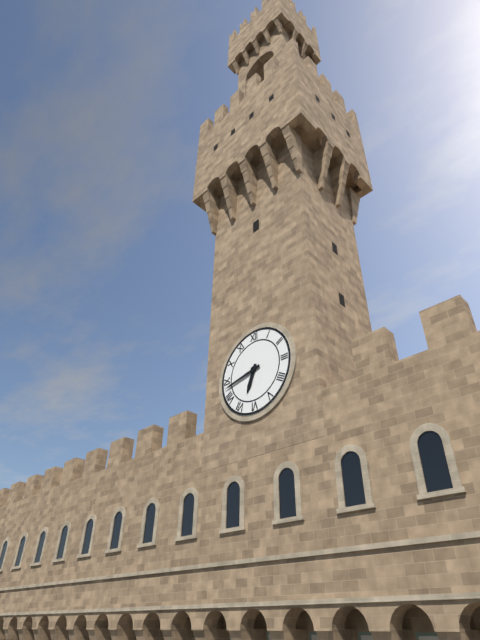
6:43
